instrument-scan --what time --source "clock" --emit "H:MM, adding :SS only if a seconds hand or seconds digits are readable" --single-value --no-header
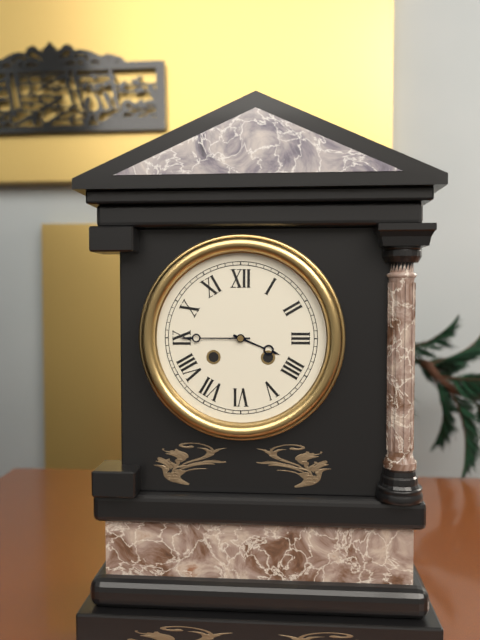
3:45
